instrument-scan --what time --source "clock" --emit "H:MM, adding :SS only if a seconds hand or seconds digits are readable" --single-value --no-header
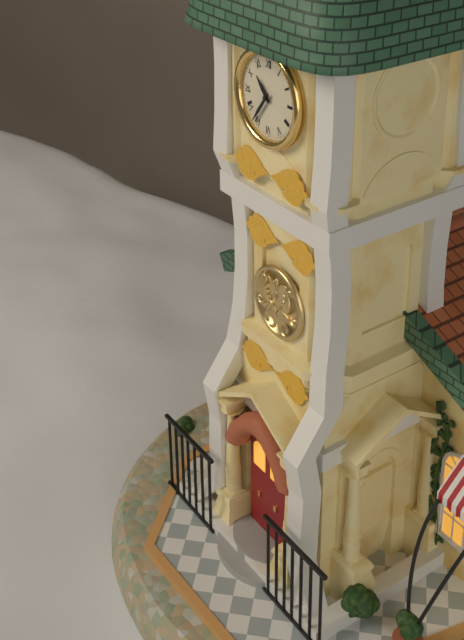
10:36
